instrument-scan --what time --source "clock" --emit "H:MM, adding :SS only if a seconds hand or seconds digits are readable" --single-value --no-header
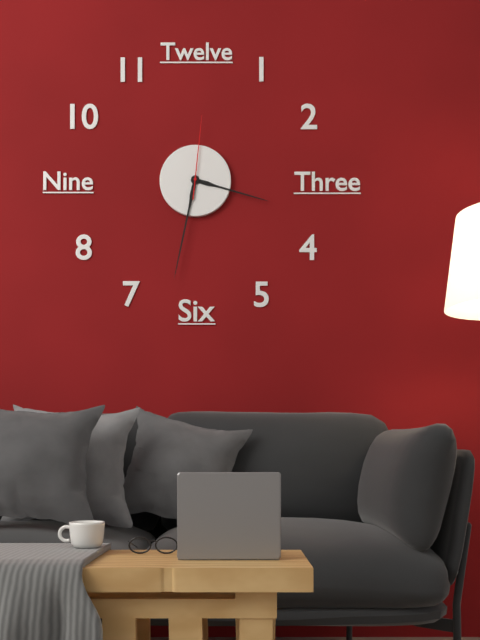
3:32:01
